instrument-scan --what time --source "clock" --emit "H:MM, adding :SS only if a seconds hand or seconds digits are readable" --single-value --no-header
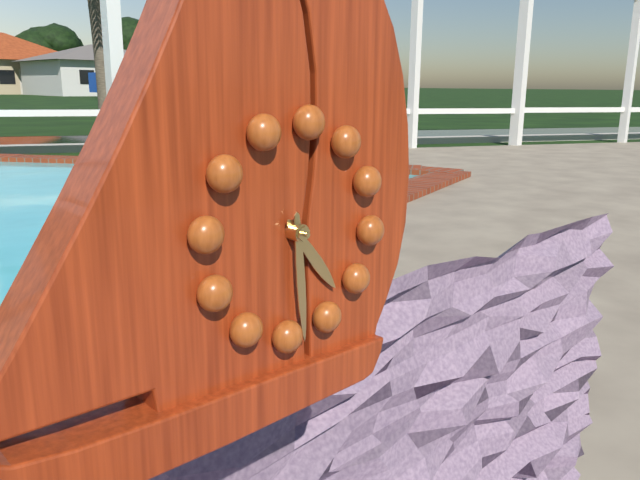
4:28
